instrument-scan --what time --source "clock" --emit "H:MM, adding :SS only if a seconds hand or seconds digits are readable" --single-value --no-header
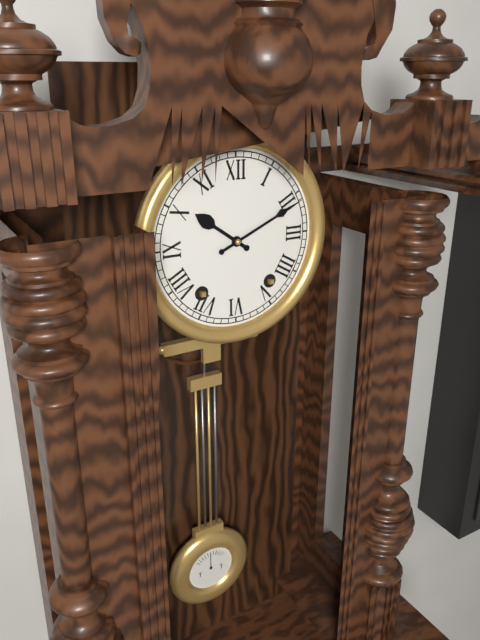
10:11
